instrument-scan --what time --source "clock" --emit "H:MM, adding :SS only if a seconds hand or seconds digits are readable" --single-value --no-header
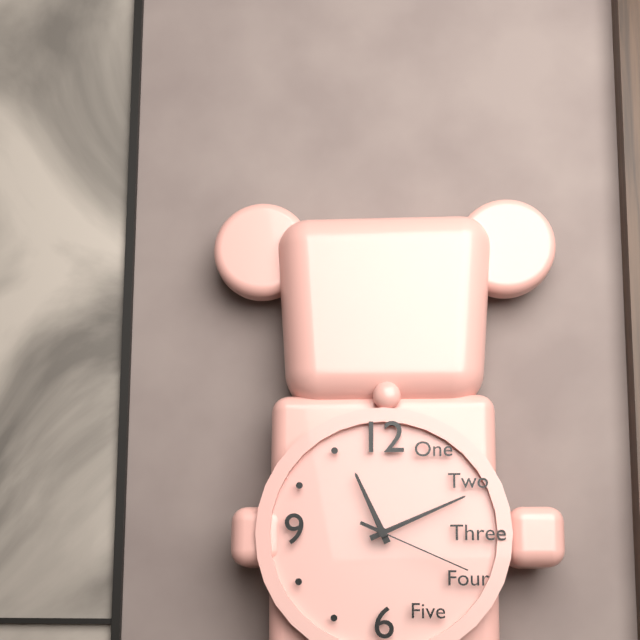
11:11:19
